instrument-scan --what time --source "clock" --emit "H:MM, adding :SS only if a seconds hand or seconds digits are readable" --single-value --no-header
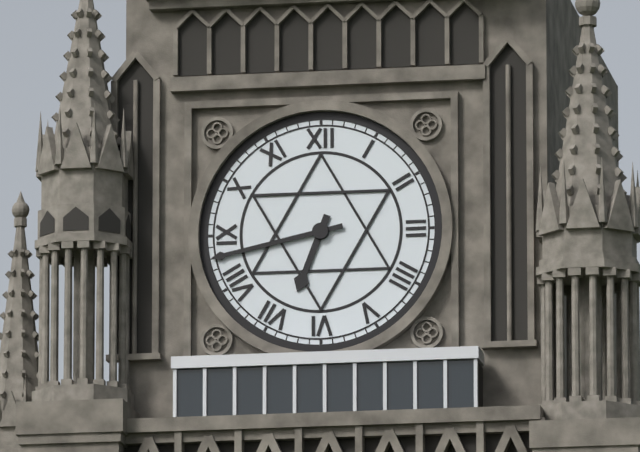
6:43
